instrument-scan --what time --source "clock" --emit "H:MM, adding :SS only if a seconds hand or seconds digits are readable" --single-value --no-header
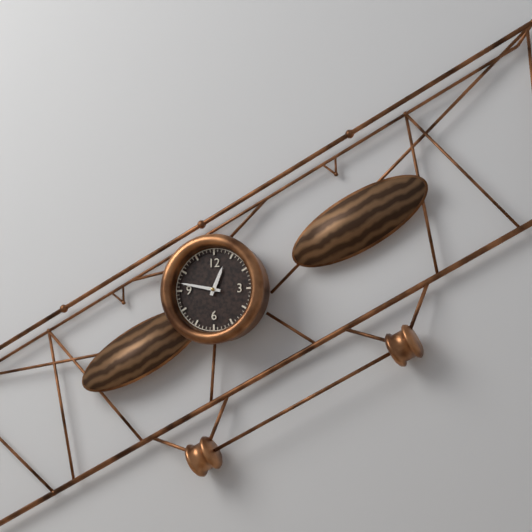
12:47
